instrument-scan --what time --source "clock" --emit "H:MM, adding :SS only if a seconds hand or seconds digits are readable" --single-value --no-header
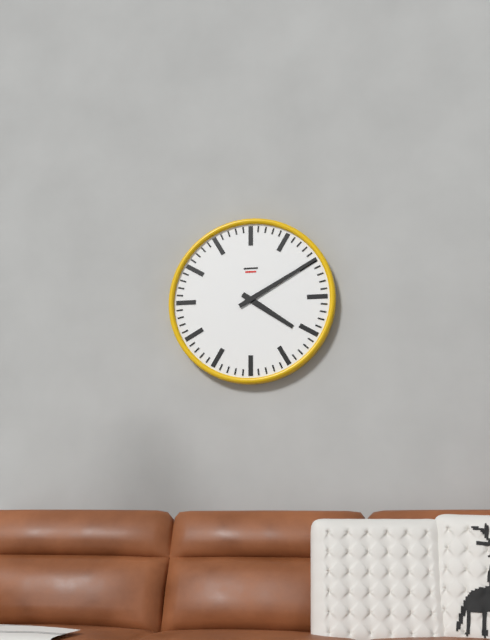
4:10
